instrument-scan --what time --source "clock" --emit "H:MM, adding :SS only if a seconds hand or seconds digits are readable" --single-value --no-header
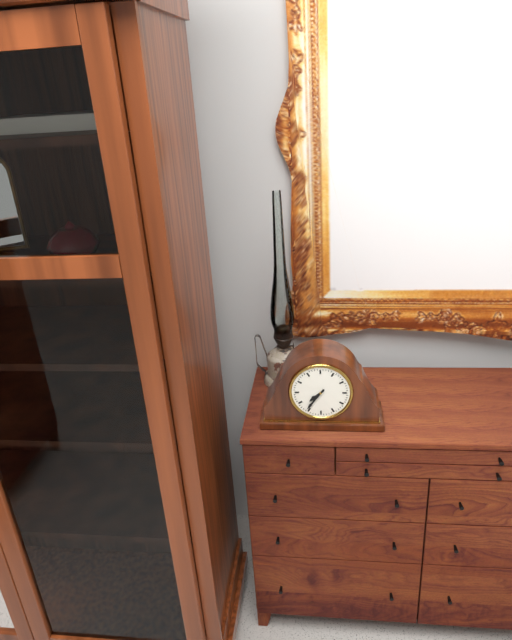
7:36
